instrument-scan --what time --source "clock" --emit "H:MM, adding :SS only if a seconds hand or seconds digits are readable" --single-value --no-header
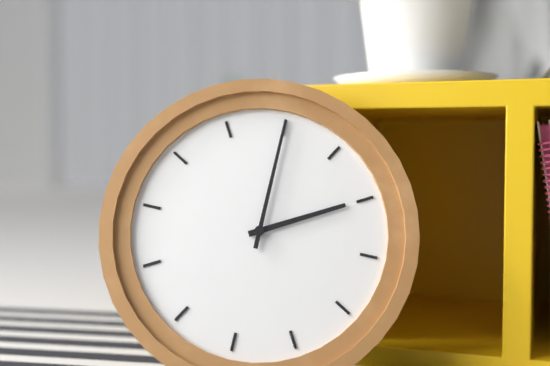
2:00
